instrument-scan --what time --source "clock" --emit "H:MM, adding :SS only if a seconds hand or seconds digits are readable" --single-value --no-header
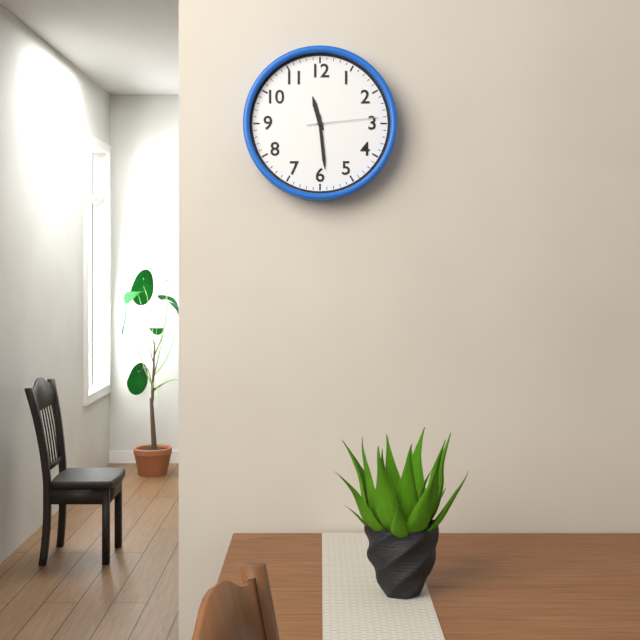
11:29:14
